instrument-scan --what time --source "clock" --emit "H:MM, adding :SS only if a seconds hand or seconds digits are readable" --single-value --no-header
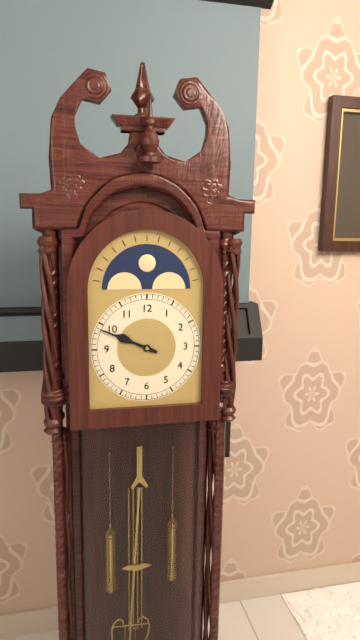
9:49
